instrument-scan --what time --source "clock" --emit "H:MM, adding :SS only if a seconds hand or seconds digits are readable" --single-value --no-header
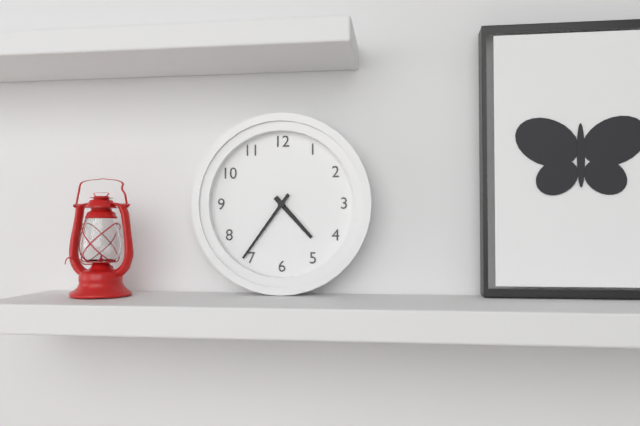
4:36
